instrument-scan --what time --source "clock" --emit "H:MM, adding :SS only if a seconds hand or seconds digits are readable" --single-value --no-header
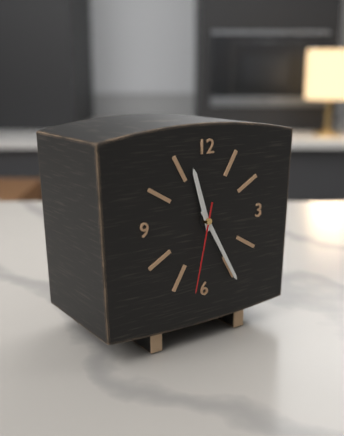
11:25:32
